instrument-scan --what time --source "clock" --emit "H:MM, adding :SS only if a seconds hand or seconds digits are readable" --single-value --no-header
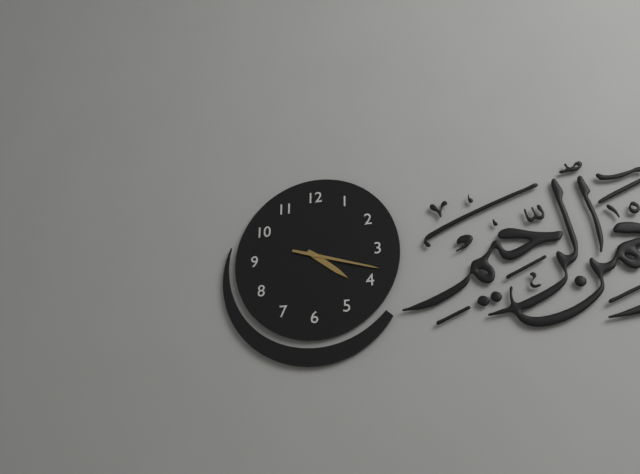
4:18
